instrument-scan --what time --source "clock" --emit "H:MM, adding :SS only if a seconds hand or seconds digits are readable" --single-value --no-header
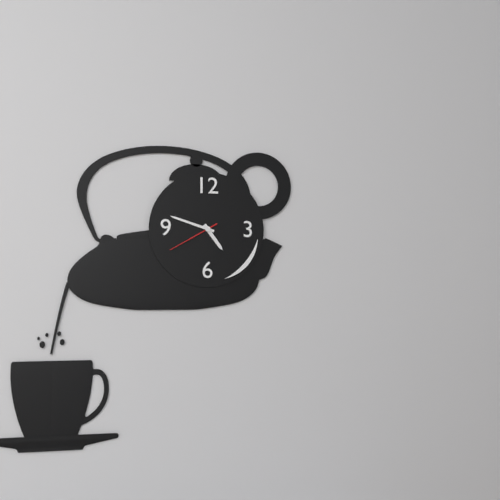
4:48:40
